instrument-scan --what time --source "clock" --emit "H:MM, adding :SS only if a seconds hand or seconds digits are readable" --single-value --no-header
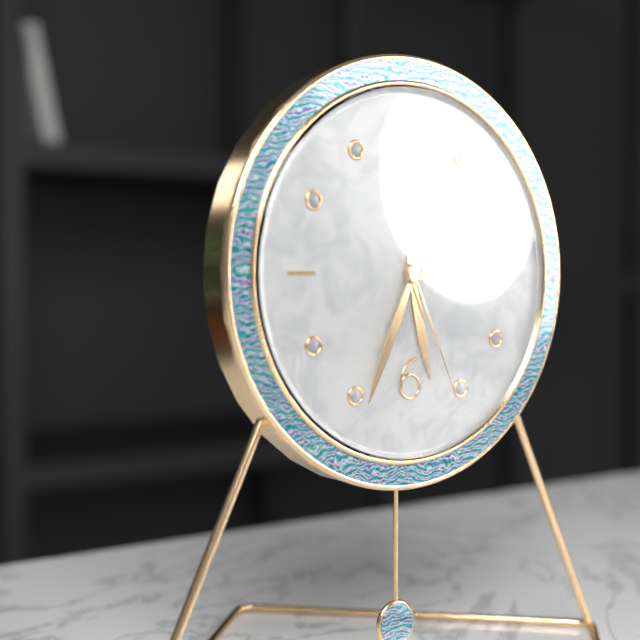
5:34:26
